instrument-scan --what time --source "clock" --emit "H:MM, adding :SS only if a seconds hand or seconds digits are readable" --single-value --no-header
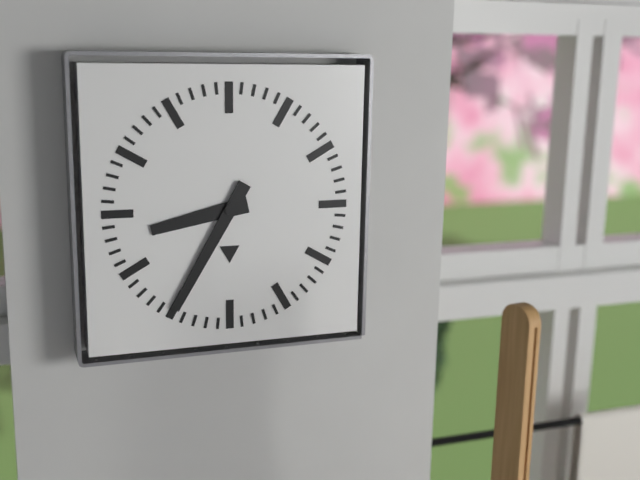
8:35
